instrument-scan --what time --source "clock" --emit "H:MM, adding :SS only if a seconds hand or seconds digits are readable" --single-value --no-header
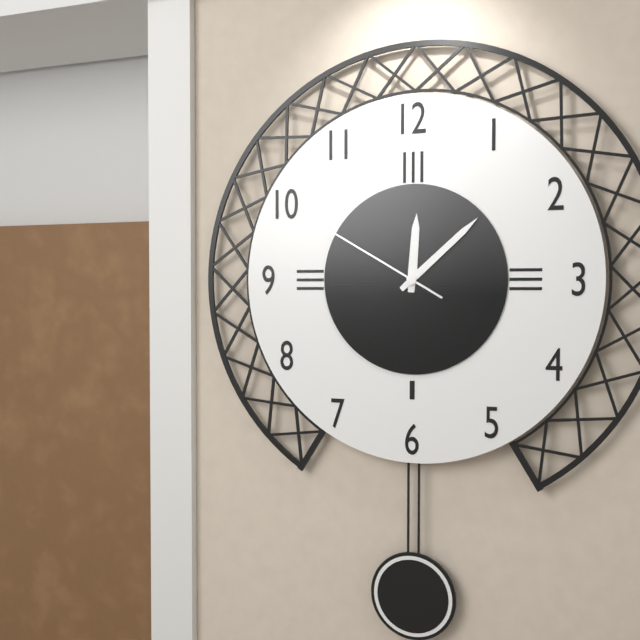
12:08:50
